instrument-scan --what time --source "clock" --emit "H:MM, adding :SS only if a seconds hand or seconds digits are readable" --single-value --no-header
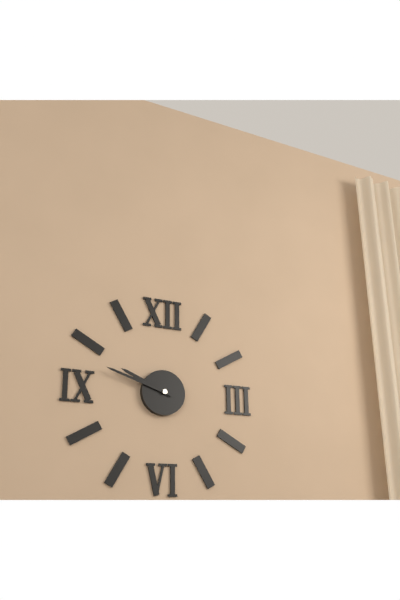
9:48
